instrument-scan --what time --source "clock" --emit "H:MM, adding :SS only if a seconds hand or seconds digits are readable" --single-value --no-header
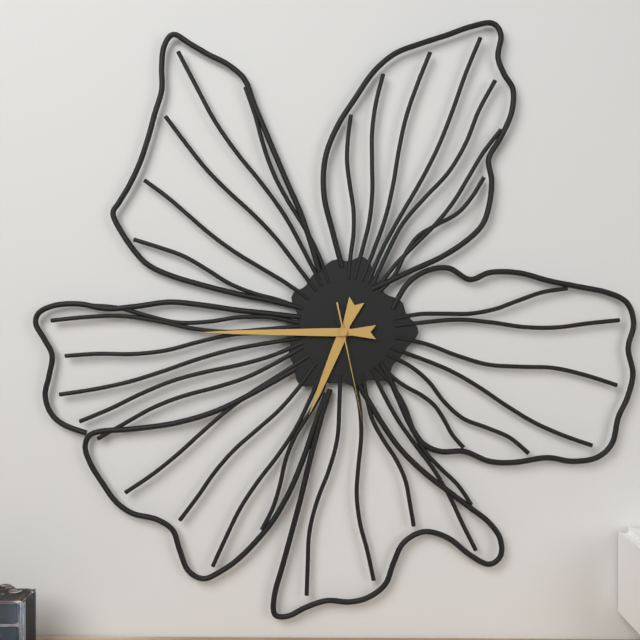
6:45:28
